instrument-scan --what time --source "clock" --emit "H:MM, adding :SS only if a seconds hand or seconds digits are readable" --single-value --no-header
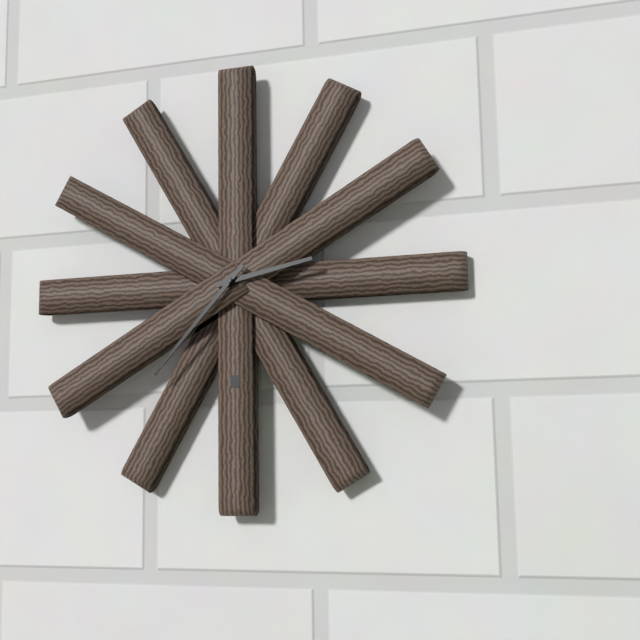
2:37
